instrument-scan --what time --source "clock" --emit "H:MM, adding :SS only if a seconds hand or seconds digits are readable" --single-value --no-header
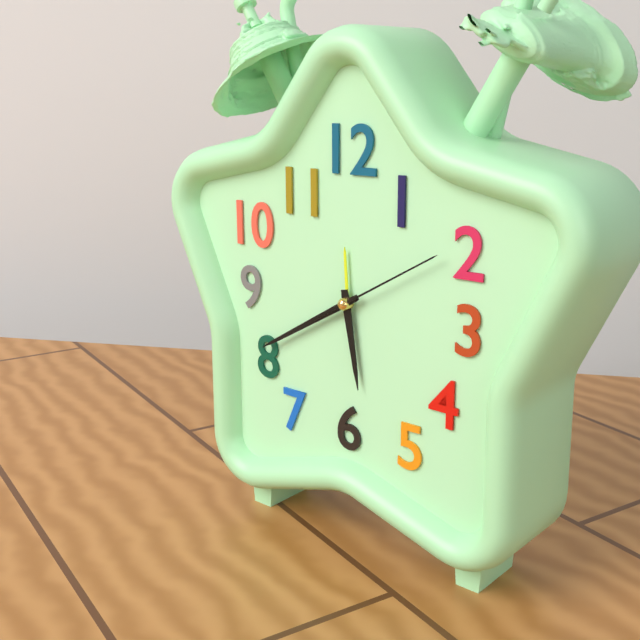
5:40:10
